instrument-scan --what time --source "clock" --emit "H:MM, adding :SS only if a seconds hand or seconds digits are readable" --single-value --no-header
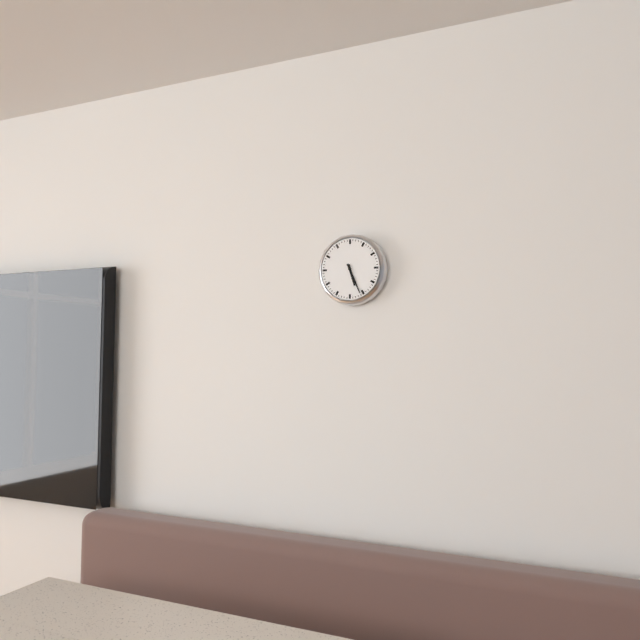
5:26
